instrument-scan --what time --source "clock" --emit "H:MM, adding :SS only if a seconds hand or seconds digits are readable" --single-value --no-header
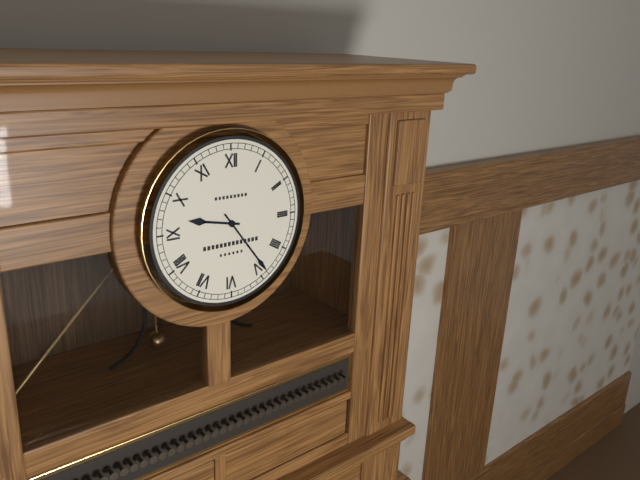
9:24
